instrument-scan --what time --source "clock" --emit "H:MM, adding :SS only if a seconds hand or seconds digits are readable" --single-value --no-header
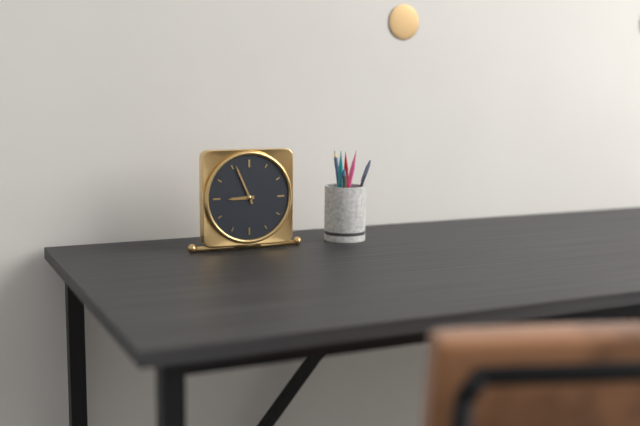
8:56
